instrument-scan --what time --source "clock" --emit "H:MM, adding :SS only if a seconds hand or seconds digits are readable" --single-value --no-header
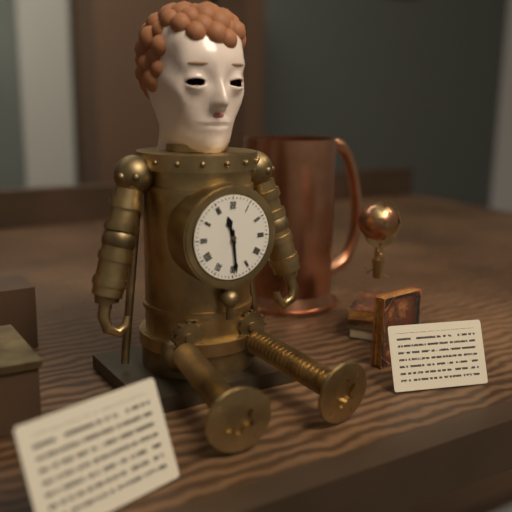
11:29
